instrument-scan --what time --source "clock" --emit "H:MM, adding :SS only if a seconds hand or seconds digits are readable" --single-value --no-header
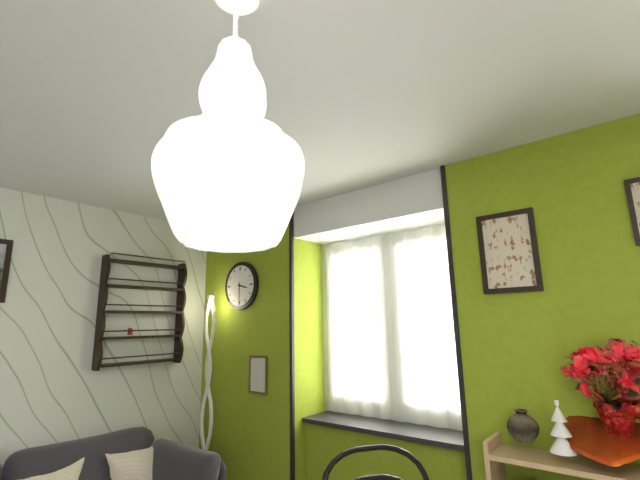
3:30
